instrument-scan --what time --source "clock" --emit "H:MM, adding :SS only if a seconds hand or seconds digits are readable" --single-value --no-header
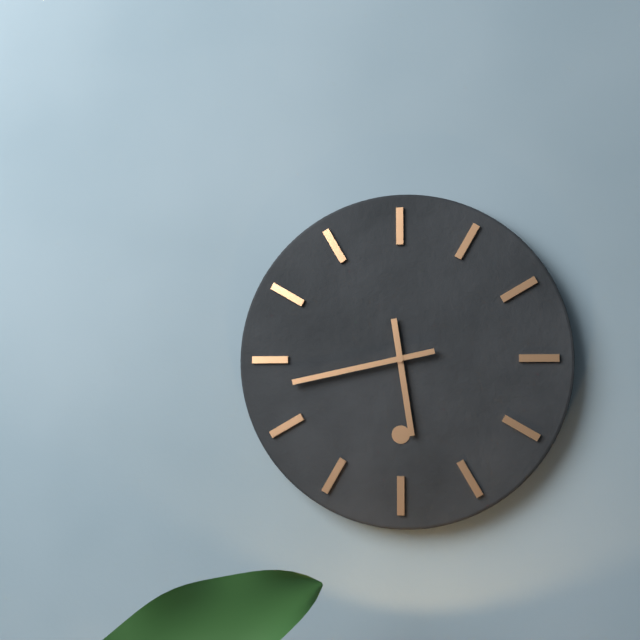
5:43
